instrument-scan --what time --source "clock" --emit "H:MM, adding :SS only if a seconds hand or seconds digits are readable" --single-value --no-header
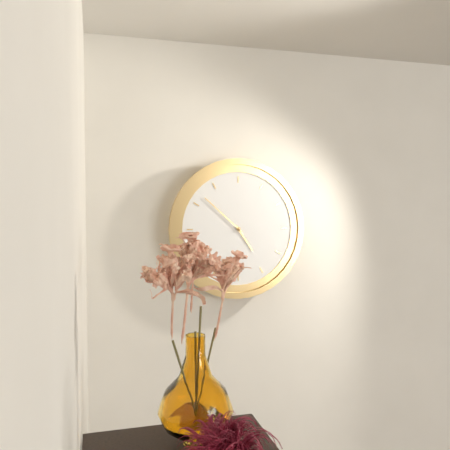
4:52
